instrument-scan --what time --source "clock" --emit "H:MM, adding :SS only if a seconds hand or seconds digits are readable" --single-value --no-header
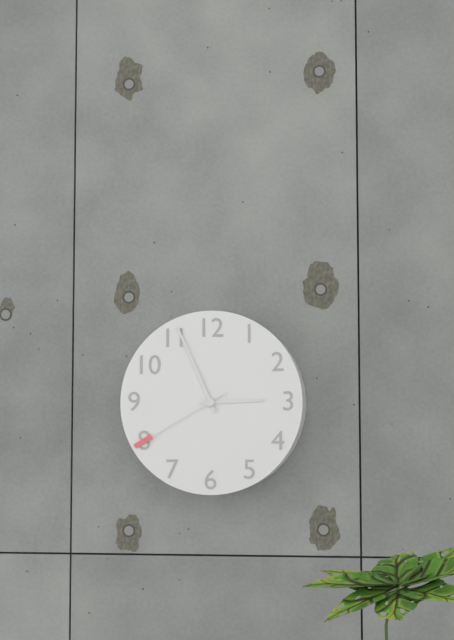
2:56:40
